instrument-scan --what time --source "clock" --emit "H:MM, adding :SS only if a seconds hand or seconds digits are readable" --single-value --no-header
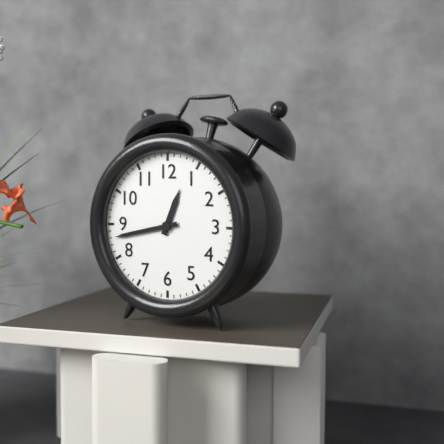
12:43
